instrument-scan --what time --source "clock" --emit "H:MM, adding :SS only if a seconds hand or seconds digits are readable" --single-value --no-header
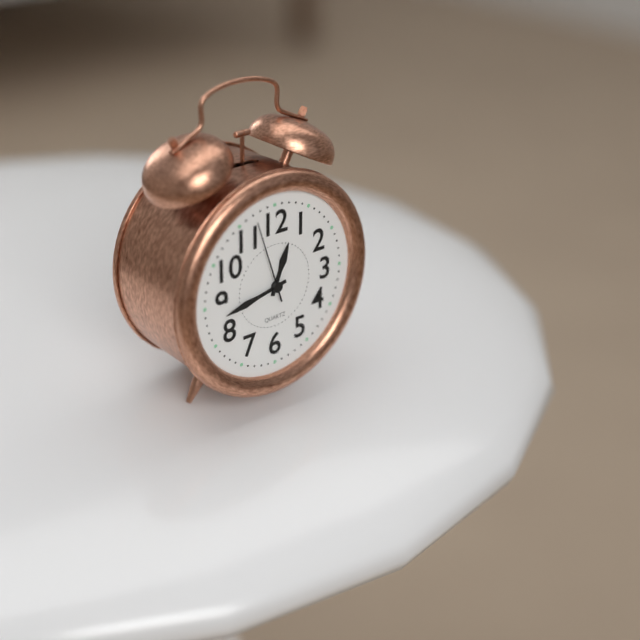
12:43:57
